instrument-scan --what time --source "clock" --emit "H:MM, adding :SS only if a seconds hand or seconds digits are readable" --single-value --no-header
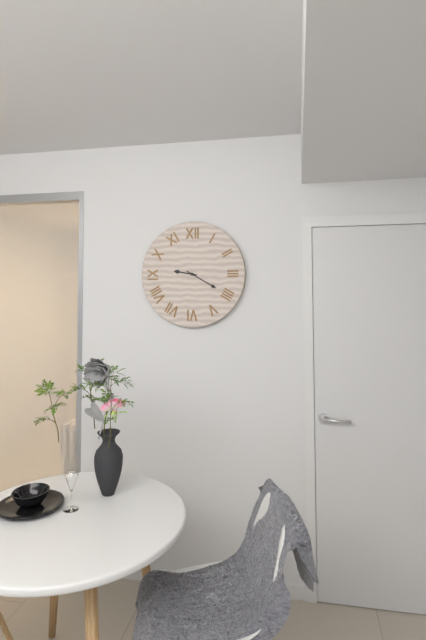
9:20
